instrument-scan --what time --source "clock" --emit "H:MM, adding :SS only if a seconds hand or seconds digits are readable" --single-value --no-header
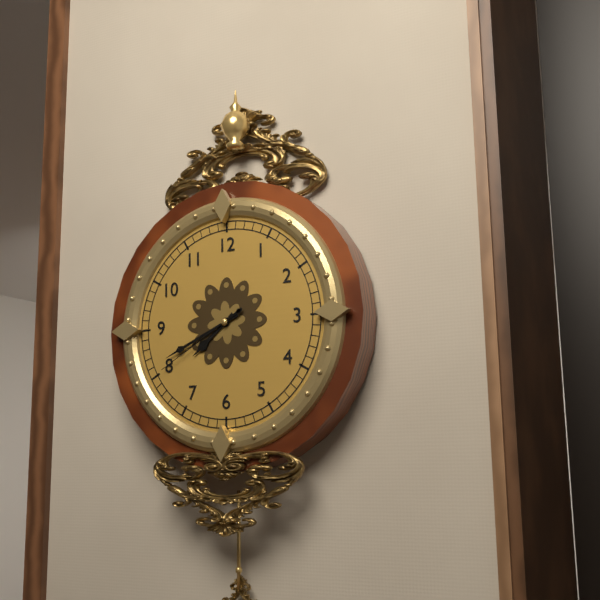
7:41:40
